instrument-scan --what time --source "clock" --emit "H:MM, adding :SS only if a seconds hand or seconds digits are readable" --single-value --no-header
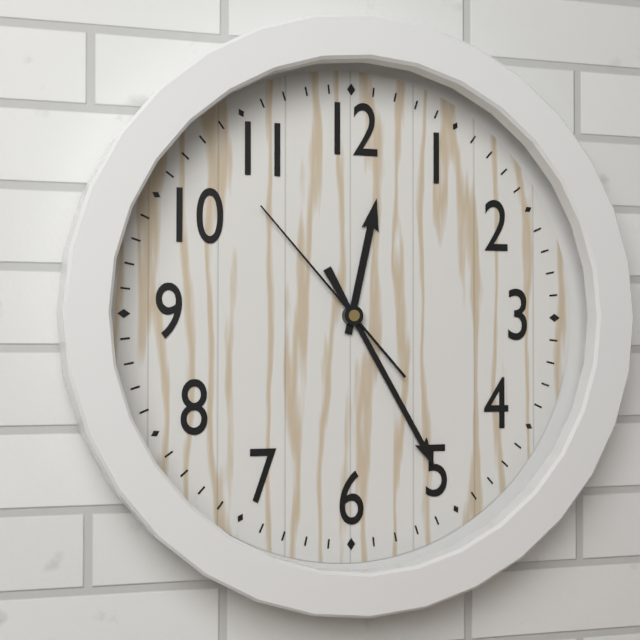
12:25:53
